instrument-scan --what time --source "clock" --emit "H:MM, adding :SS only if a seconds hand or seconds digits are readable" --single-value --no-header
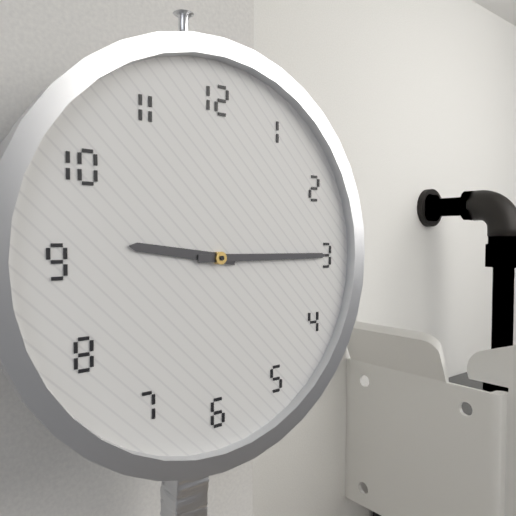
9:15
